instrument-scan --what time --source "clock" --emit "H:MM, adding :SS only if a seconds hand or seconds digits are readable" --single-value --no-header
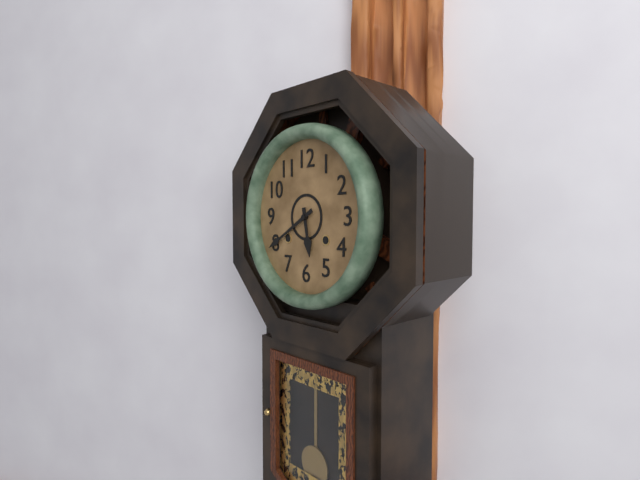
5:40
